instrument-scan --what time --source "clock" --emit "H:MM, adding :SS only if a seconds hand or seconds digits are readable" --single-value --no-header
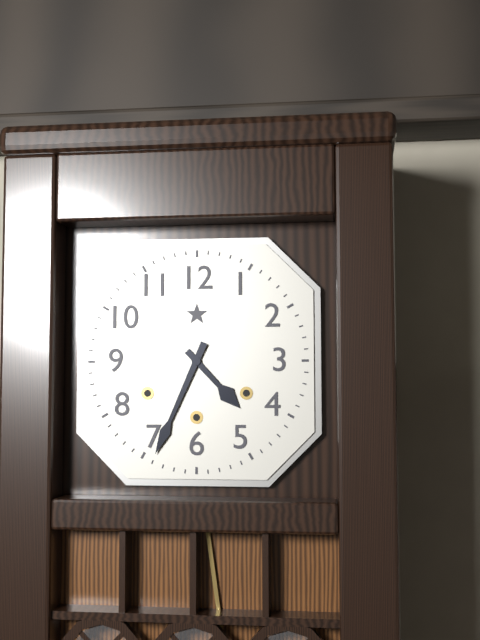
4:34
